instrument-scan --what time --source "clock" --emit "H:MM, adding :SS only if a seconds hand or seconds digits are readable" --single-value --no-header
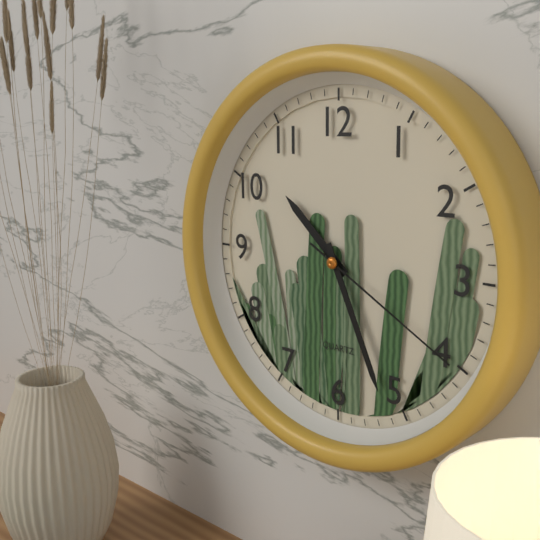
10:26:20
